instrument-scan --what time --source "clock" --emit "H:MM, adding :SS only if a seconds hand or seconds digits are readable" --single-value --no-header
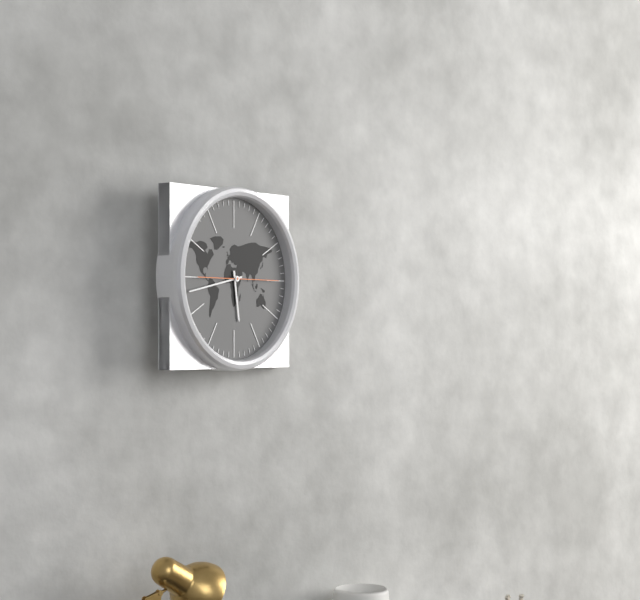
5:43:15
